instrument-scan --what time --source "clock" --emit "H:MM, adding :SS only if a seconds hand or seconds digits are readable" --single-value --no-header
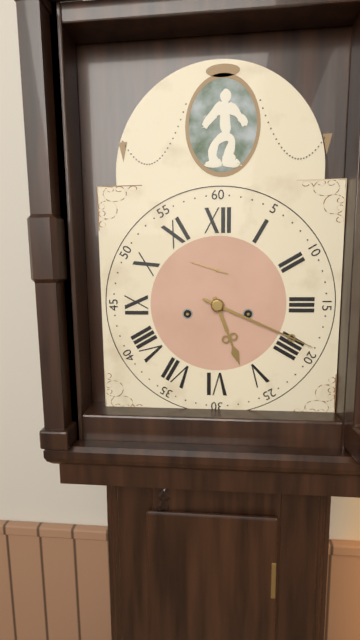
5:19
